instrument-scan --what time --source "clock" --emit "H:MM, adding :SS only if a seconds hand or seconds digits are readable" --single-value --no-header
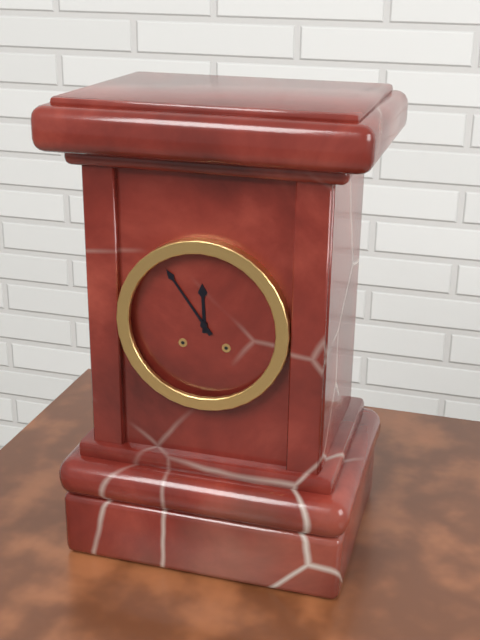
11:54
